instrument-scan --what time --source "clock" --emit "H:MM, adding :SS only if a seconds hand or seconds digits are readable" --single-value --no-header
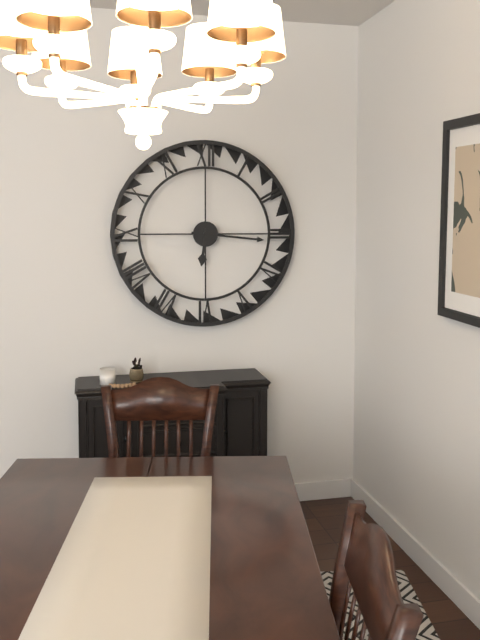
6:16
